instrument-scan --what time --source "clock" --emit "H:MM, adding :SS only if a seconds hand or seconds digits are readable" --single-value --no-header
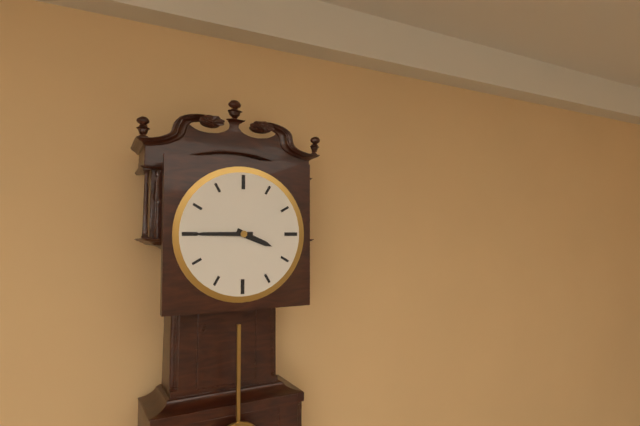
3:45
